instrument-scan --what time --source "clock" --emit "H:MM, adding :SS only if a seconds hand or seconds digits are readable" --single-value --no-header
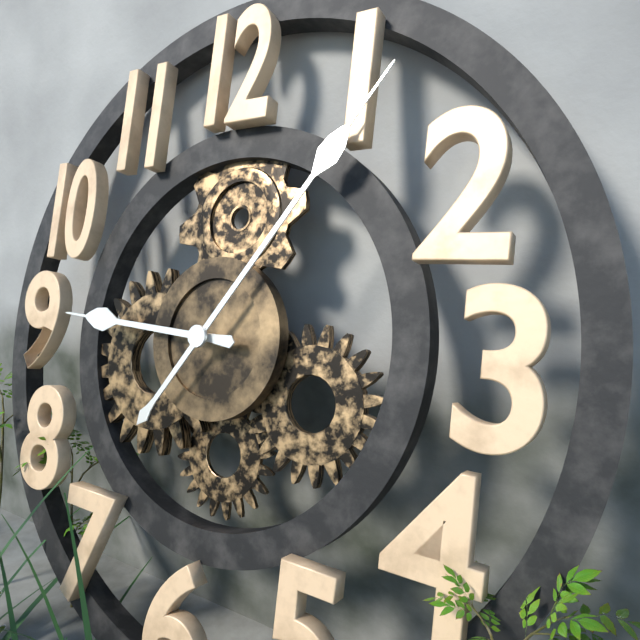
9:06
